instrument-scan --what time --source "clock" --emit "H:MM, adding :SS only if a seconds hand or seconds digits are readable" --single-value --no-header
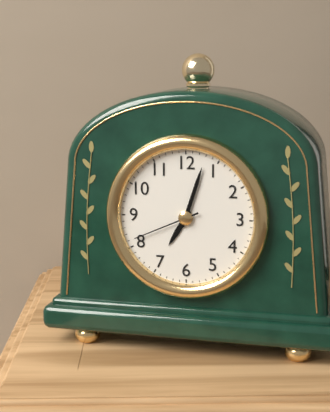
7:03:41
